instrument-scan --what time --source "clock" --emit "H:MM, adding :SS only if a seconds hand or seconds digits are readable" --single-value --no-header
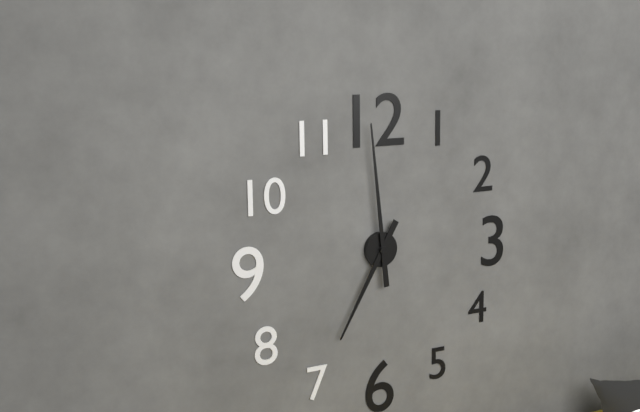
6:59
